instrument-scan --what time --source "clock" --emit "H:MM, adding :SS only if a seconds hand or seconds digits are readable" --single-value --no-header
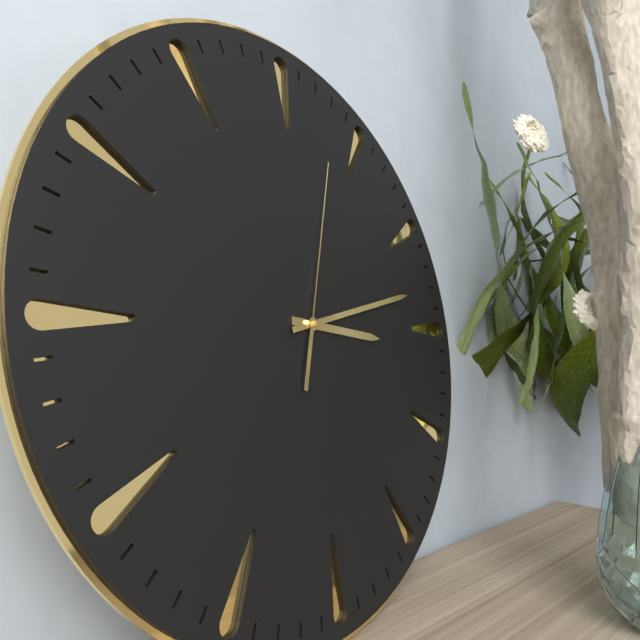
3:13:03
